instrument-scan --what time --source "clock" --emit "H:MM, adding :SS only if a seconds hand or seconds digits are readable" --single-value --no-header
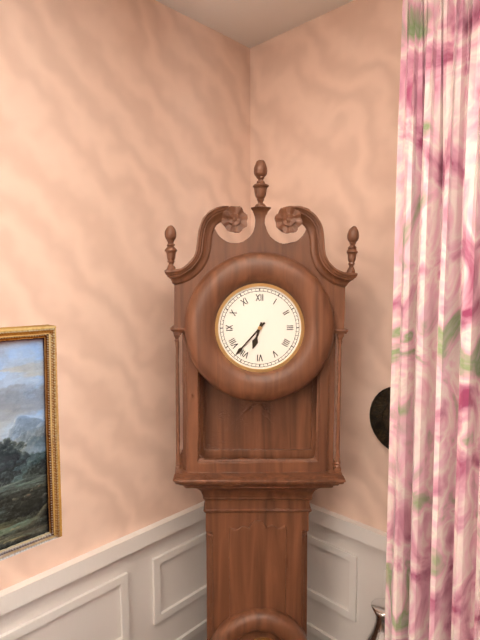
6:37
